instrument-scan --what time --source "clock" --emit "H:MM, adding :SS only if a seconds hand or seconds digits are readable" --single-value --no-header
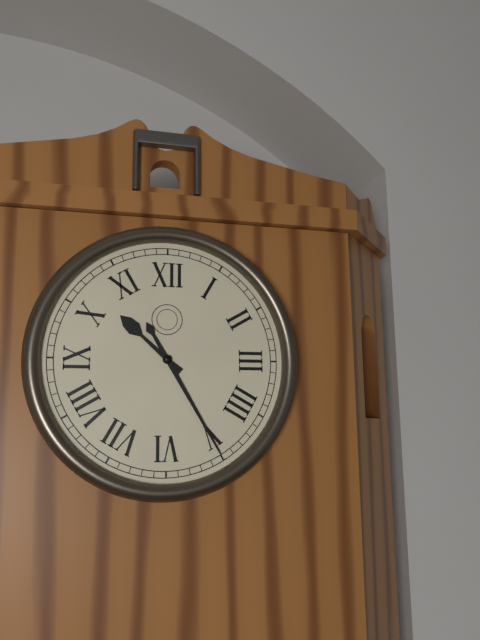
10:25
